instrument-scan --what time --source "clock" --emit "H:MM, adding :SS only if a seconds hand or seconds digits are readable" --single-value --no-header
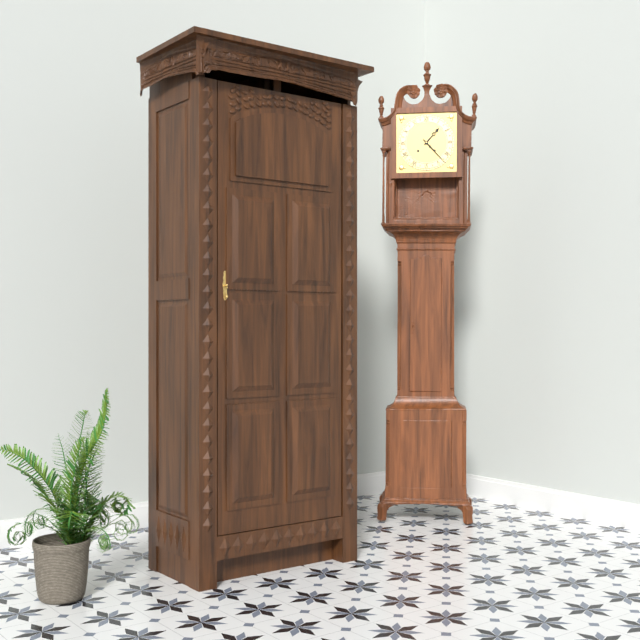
1:23
